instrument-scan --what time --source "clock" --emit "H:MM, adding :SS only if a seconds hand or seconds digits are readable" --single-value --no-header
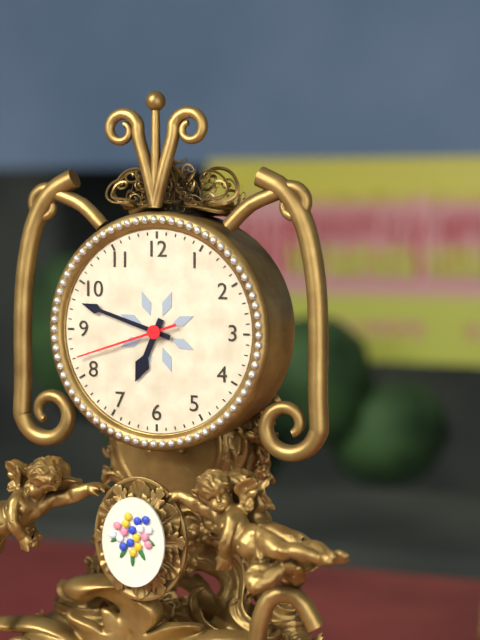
6:48:42
